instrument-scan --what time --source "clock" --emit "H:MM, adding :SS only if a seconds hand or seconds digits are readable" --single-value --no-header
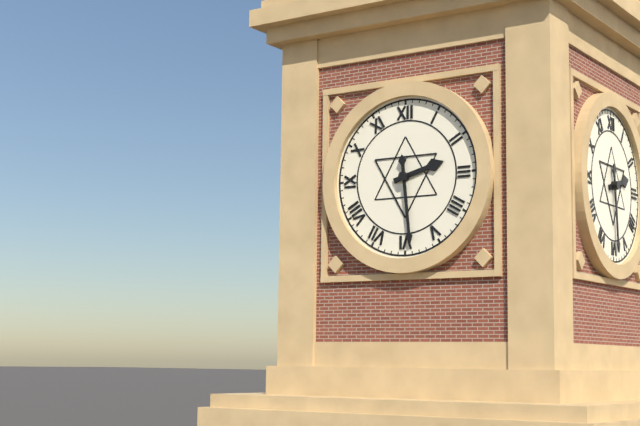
2:29
